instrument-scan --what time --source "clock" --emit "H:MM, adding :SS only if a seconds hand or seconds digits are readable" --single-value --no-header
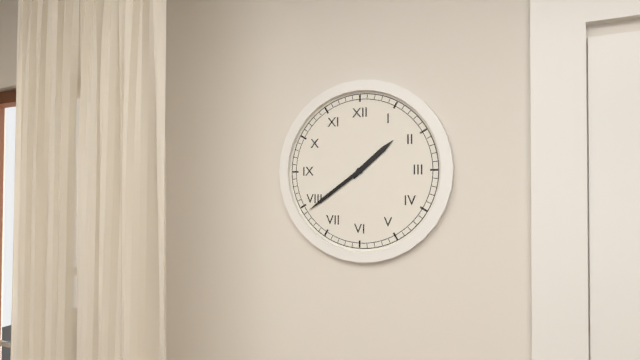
1:39
